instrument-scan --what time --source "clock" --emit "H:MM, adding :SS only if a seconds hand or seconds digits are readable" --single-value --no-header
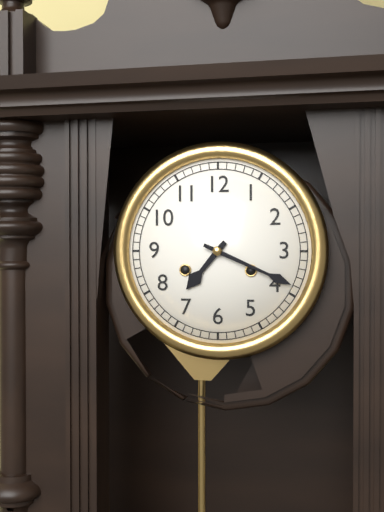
7:19
